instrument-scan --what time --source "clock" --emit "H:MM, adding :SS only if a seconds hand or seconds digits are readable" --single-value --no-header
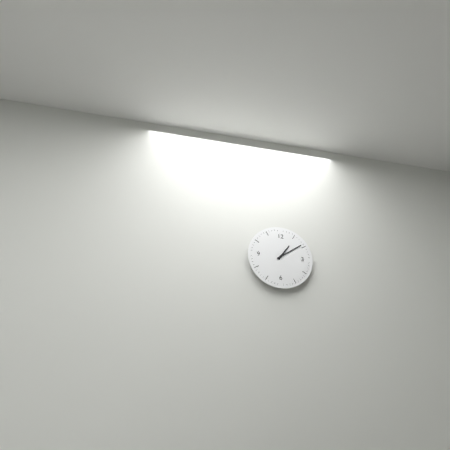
1:09
